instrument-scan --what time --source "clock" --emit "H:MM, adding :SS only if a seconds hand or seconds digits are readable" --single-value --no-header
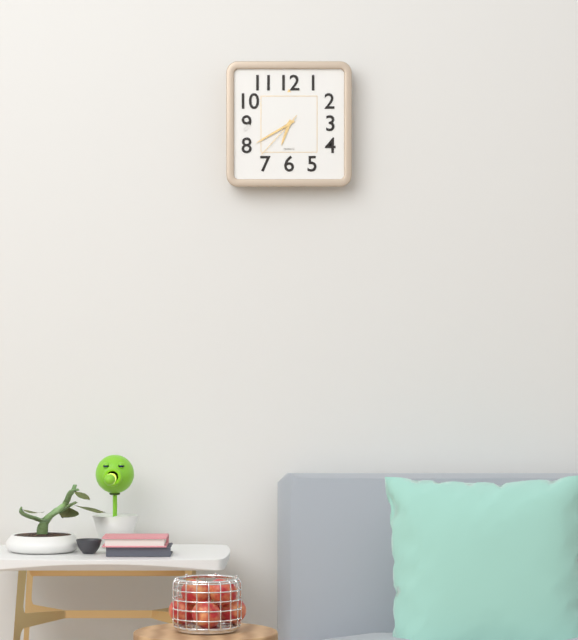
6:40:37
